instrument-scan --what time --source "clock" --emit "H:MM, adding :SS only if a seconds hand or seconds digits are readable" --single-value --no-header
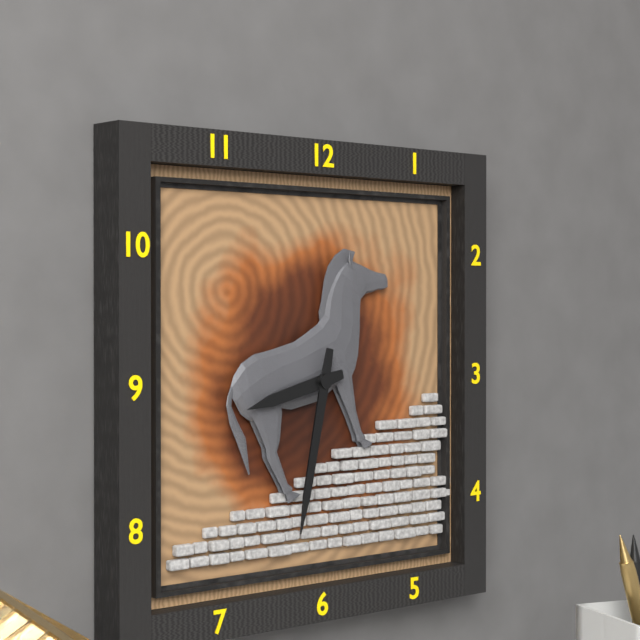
8:32
